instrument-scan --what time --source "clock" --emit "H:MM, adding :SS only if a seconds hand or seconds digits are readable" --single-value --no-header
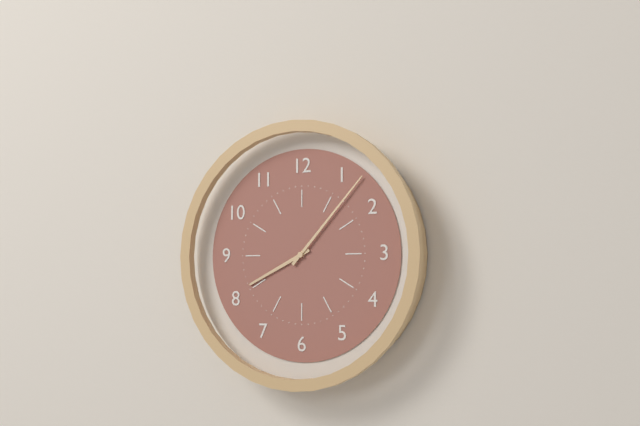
8:07
